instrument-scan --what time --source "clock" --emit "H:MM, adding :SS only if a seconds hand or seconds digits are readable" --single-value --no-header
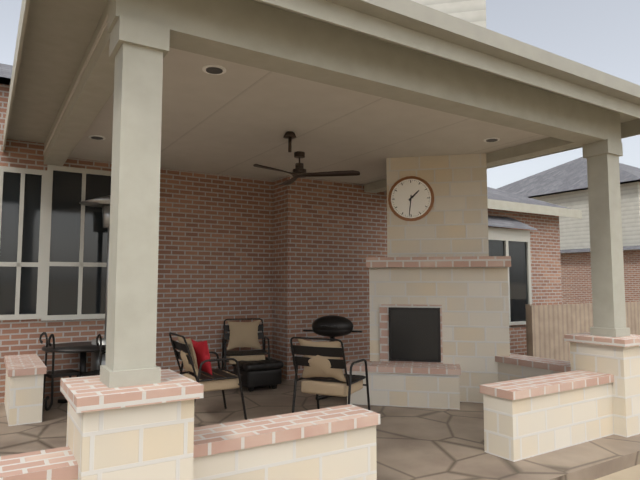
1:31
